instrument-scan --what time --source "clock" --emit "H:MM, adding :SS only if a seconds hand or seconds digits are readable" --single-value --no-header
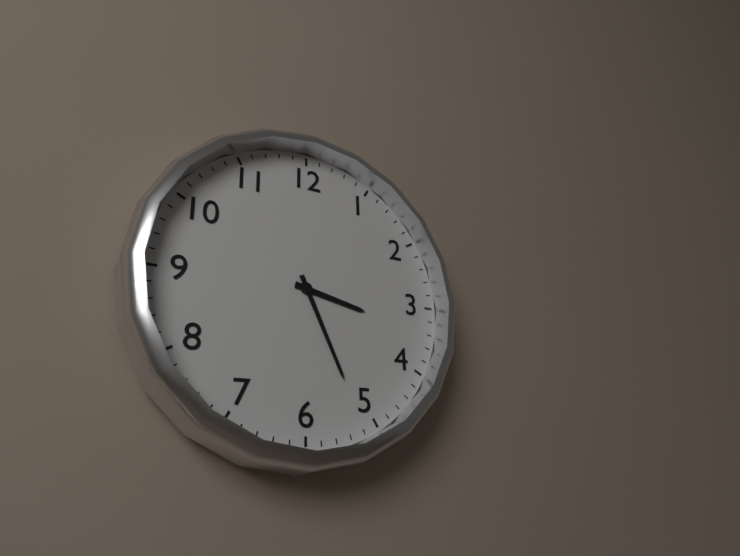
3:26
